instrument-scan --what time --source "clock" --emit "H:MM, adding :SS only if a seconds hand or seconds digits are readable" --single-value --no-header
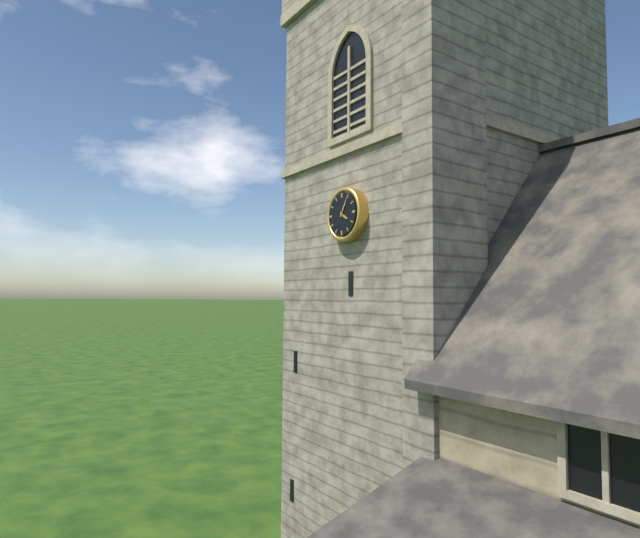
4:05
